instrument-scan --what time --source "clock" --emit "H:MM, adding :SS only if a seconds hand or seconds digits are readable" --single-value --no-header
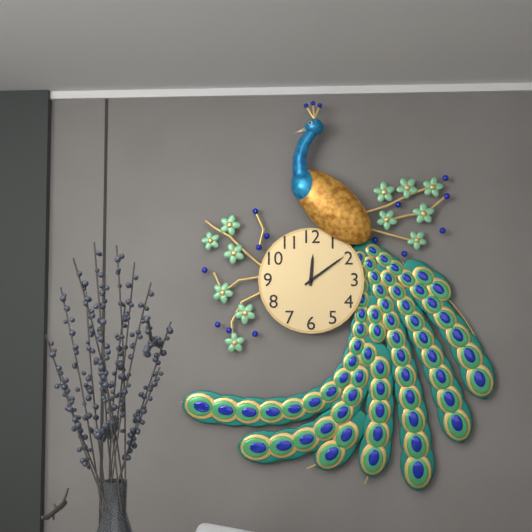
12:09
